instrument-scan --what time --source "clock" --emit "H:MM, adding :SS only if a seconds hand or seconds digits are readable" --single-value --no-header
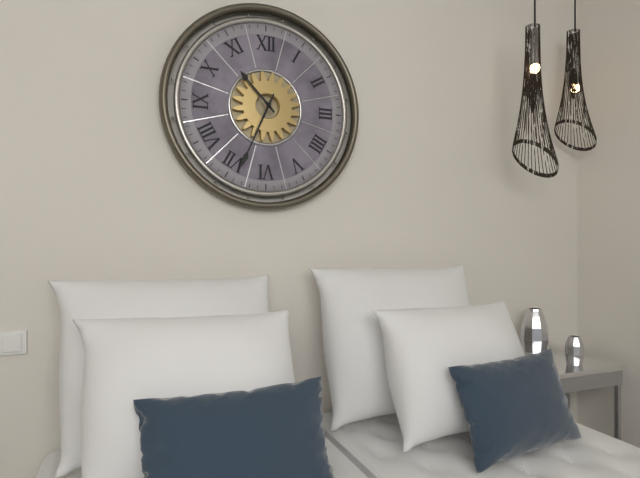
10:34
